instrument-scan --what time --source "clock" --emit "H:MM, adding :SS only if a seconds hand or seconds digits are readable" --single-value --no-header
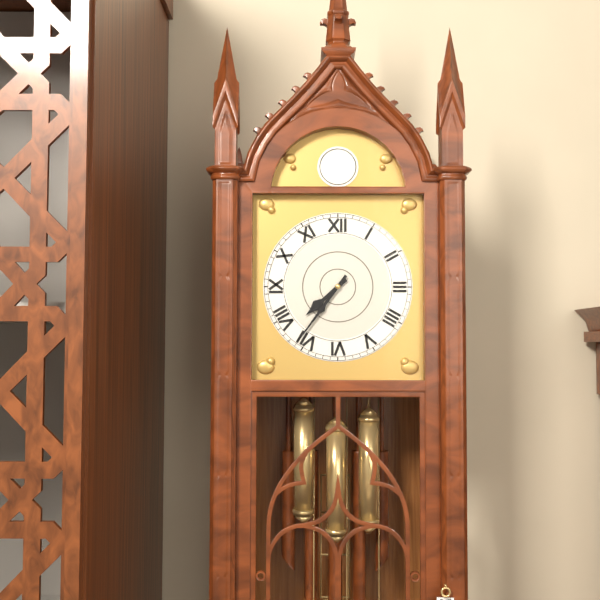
7:36
